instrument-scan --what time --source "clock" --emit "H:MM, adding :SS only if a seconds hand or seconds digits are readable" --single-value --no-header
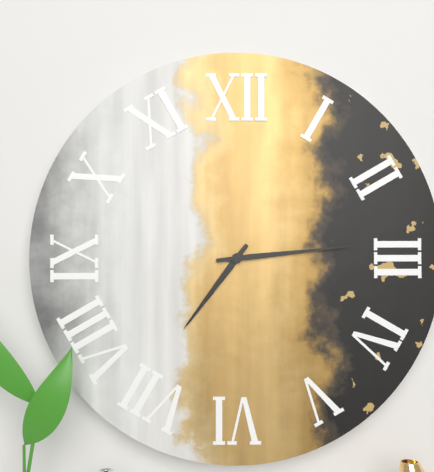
7:14
